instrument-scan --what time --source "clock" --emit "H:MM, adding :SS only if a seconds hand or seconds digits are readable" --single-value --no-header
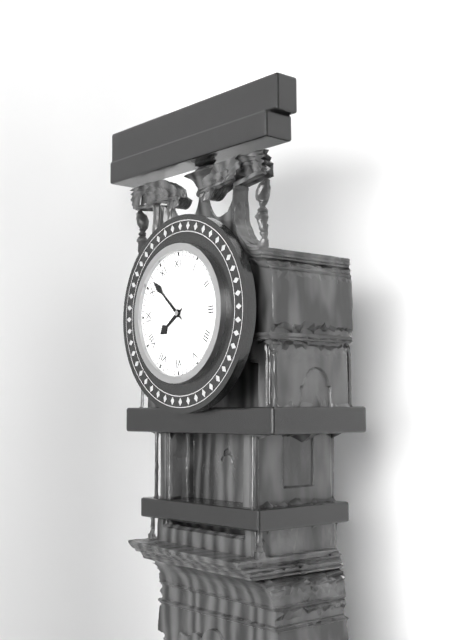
7:52
